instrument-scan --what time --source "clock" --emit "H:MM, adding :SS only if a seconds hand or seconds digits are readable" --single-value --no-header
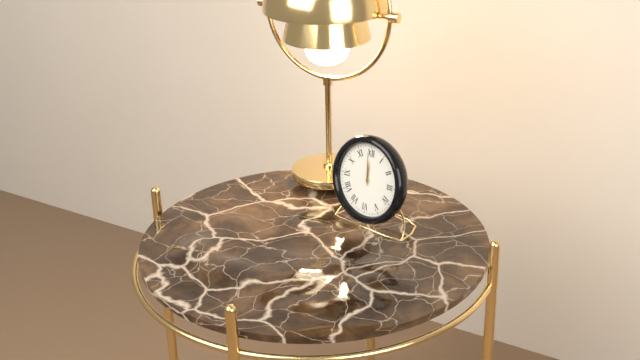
11:59
